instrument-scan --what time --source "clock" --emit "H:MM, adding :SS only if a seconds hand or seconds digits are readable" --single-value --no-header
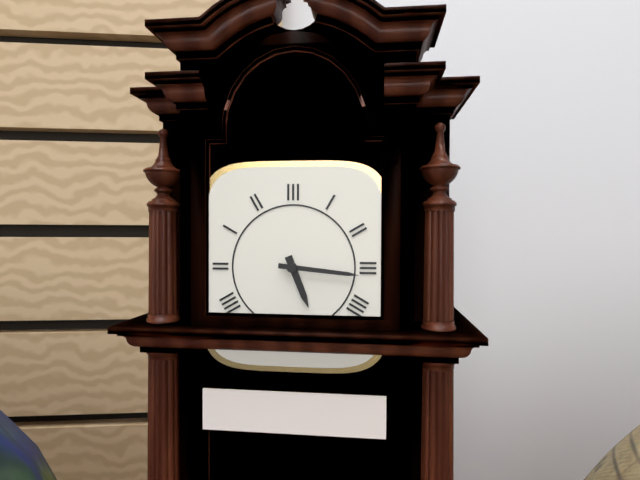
5:16
